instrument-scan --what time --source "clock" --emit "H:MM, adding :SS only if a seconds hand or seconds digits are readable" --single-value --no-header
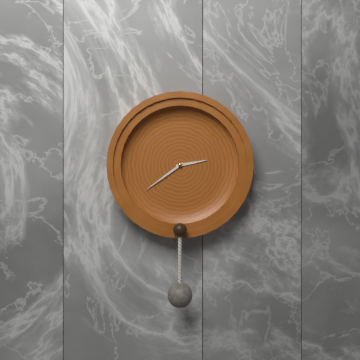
2:39
